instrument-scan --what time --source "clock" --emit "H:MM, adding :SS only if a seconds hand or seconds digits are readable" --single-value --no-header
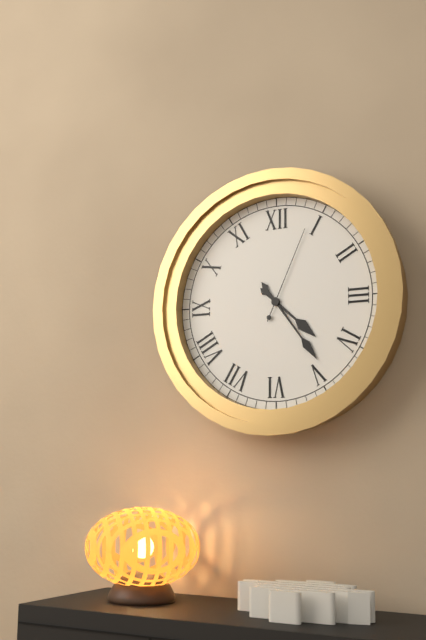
4:24:04
